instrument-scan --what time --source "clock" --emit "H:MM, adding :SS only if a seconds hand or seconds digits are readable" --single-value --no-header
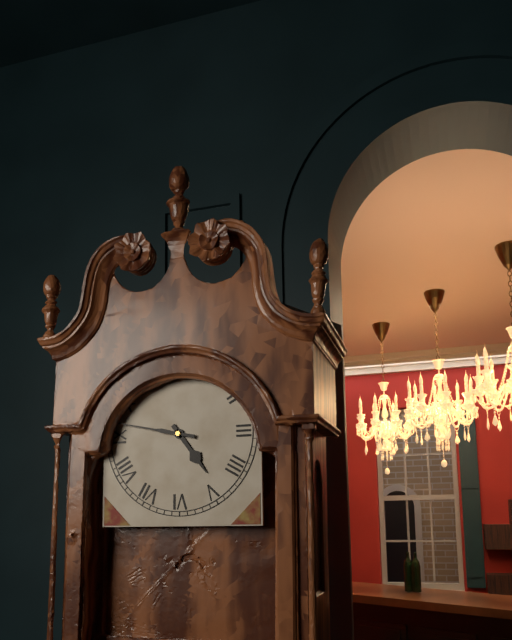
4:47
